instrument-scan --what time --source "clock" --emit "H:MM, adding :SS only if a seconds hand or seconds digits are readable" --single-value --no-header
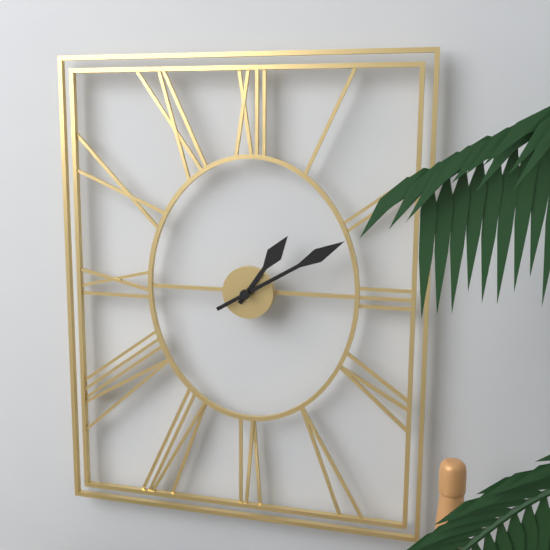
1:10
